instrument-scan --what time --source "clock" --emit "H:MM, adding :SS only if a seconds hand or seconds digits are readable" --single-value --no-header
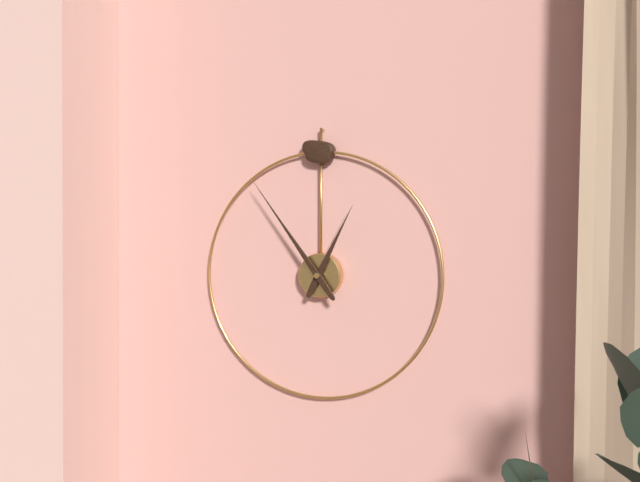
12:54
